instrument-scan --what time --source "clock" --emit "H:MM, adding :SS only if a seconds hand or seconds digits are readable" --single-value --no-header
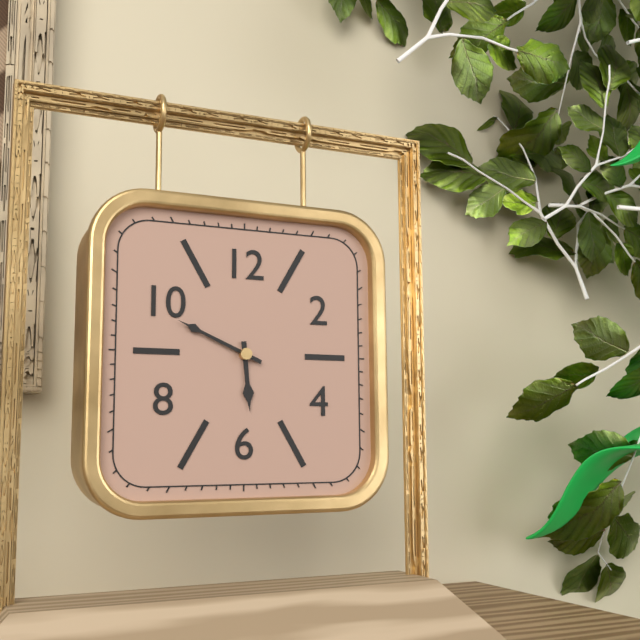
5:49
